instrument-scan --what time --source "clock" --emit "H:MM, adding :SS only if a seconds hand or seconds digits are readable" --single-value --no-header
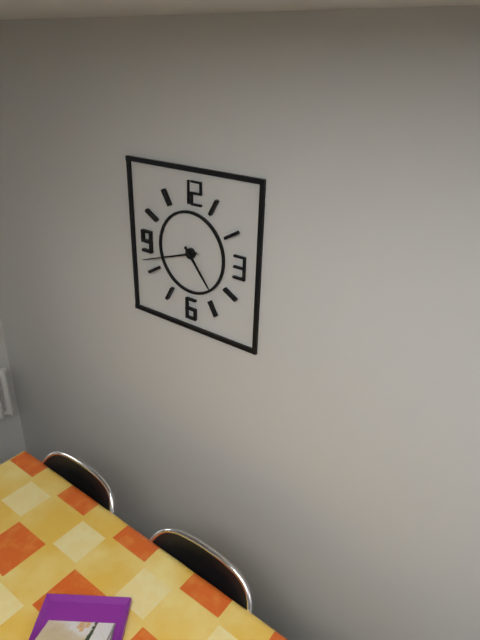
4:42
